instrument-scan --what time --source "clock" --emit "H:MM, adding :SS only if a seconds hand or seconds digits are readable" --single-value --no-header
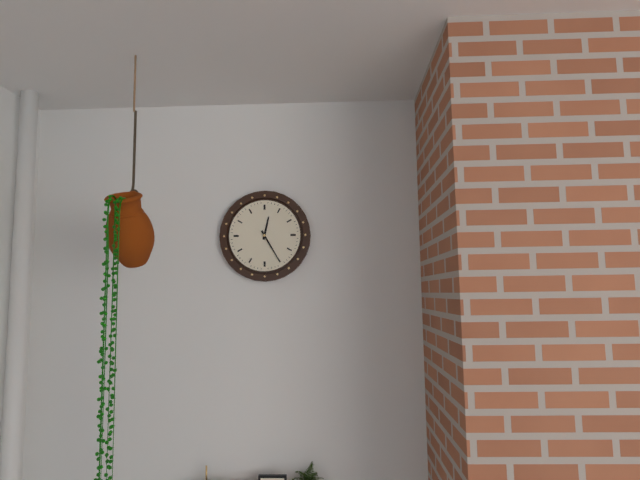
12:25
